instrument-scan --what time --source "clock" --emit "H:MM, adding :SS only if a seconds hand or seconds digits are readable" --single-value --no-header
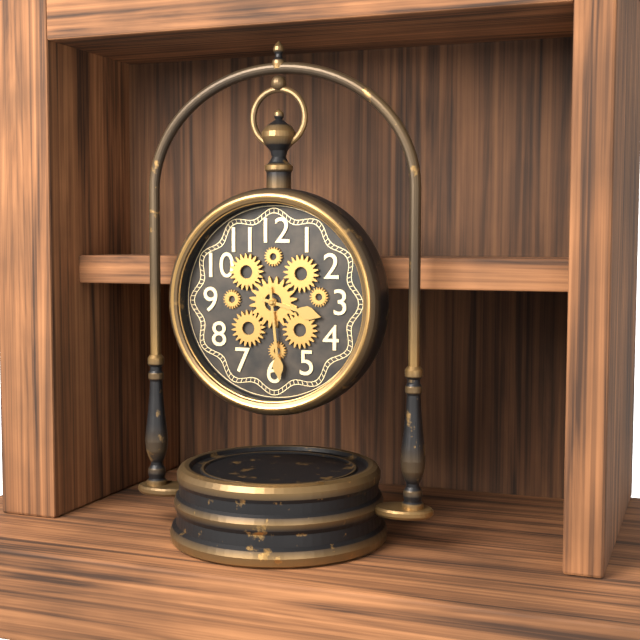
3:29
